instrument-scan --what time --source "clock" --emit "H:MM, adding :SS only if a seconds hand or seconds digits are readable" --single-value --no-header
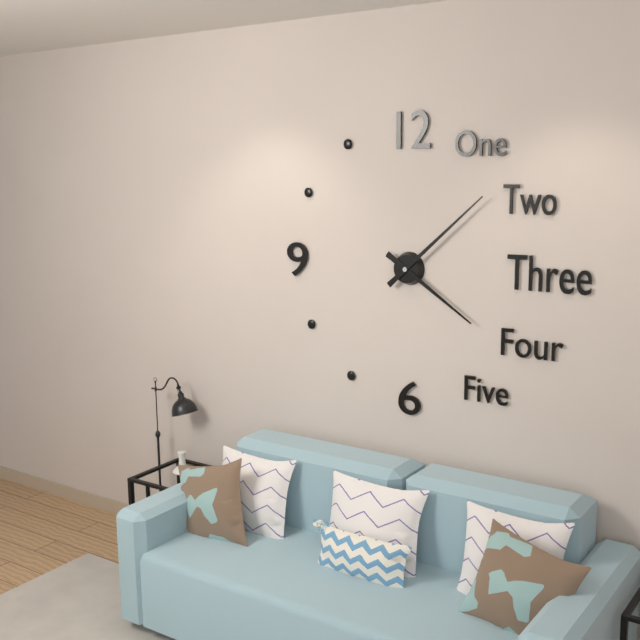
4:08
